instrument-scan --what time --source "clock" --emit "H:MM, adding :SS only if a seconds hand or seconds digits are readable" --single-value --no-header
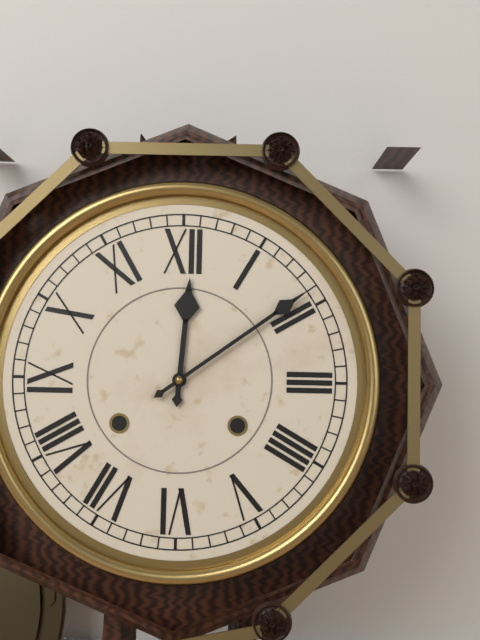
12:09
